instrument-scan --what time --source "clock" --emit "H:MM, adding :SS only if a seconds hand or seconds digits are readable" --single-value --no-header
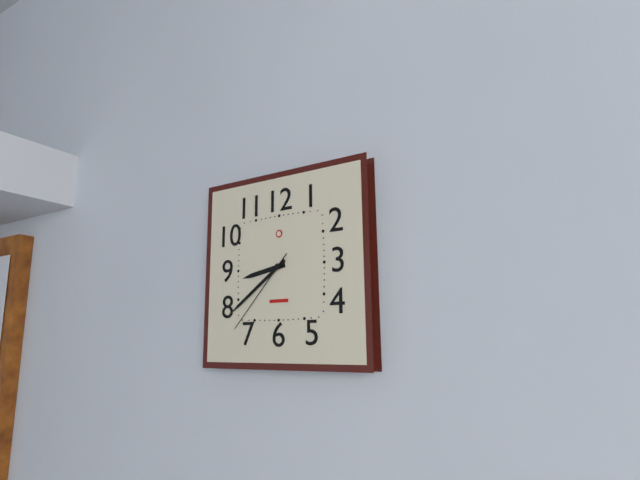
8:39:37
